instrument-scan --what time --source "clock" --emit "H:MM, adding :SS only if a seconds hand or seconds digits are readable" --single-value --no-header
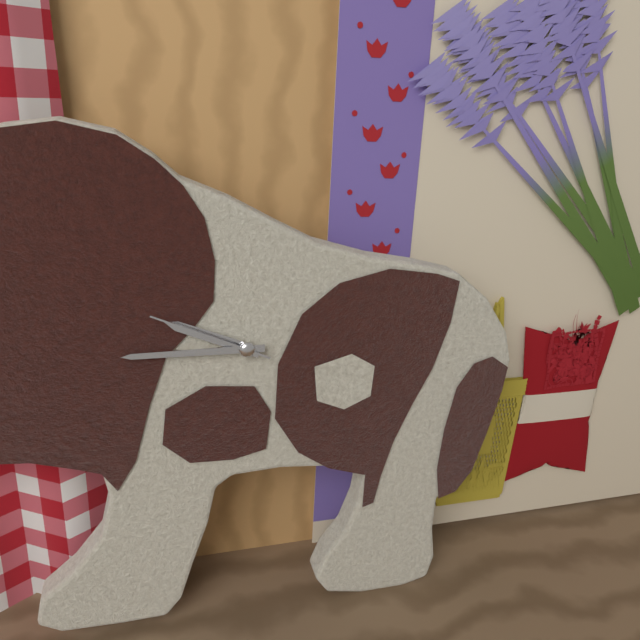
9:45:49
